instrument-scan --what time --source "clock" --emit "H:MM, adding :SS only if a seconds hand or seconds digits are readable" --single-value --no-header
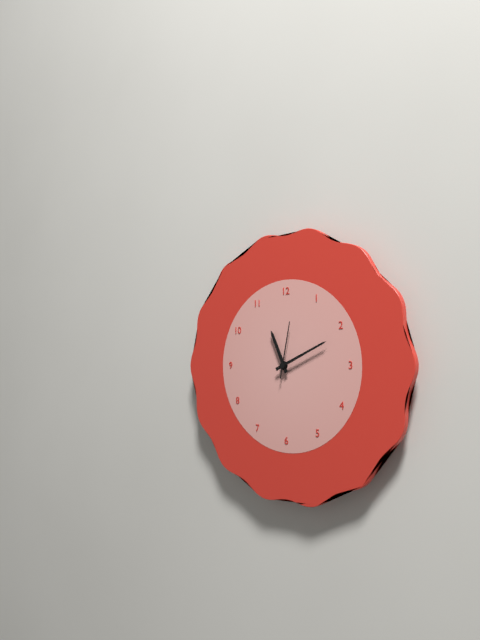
11:11:02
